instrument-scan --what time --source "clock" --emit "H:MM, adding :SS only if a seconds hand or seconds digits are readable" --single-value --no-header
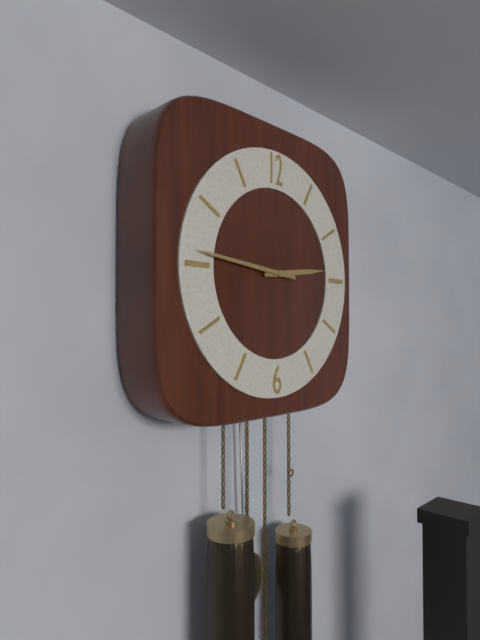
2:46
